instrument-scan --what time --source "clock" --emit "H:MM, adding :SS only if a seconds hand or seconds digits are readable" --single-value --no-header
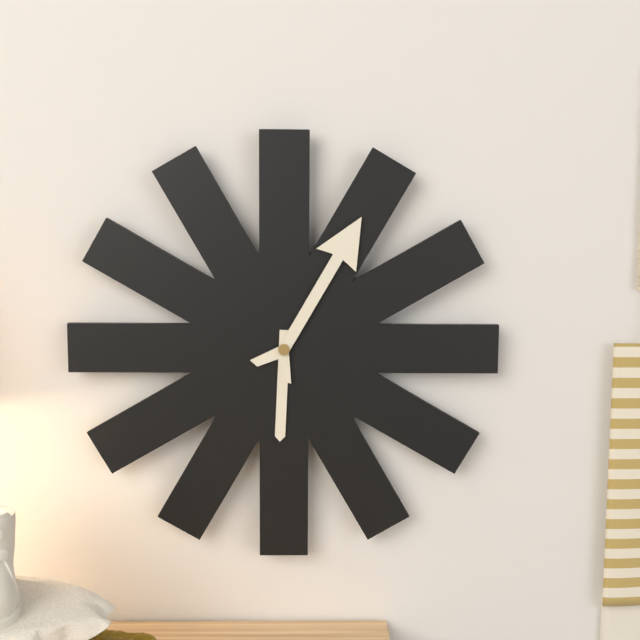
6:05
